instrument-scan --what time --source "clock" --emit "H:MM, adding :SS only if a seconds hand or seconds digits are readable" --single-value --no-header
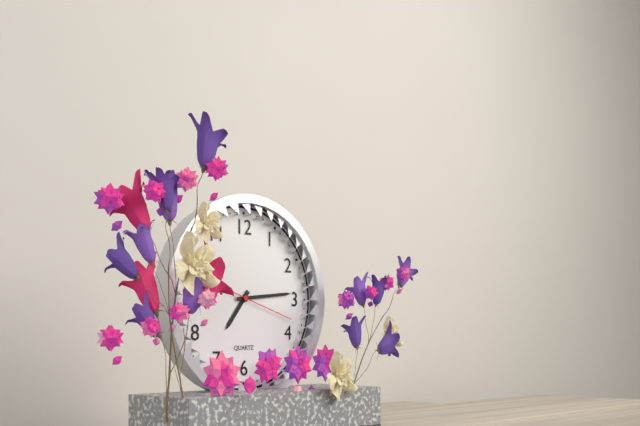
7:14:18
